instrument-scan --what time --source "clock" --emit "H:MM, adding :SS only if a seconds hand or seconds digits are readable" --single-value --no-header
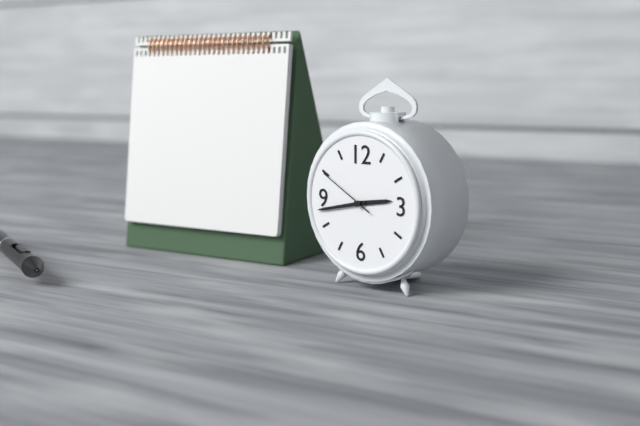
2:43:50
